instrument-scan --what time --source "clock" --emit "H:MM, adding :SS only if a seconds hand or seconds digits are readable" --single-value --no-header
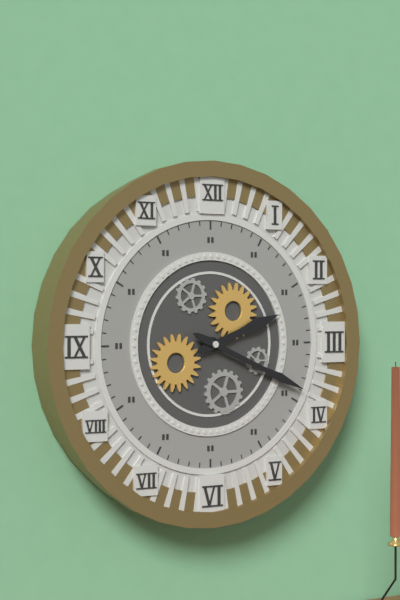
2:19
